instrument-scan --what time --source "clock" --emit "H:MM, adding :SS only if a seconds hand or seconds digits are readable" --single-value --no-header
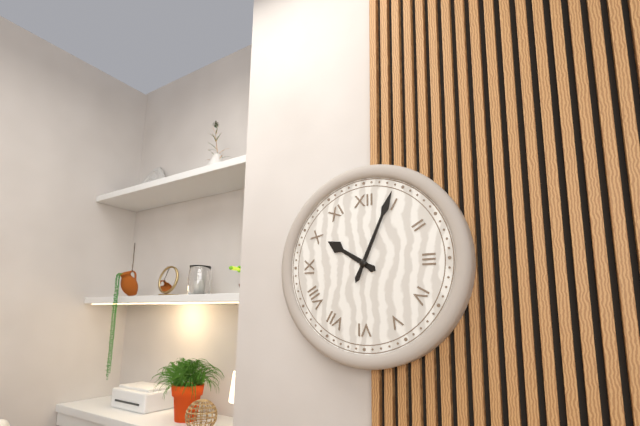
10:04
